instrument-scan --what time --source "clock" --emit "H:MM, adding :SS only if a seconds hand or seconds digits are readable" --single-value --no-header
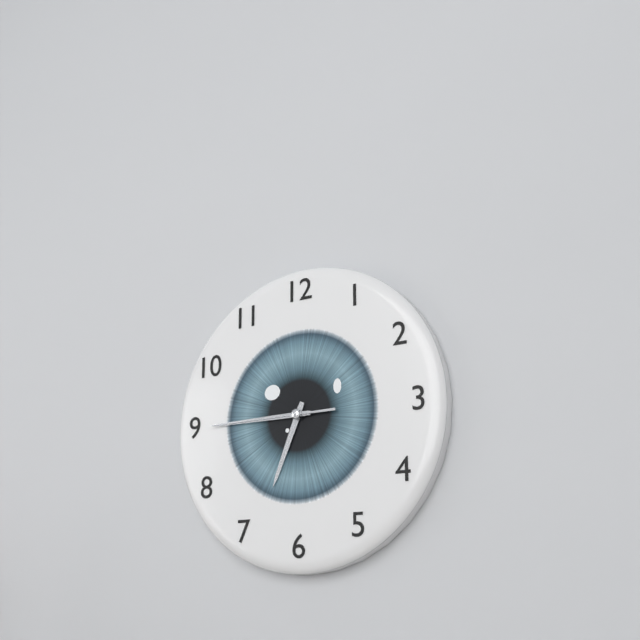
6:45:45
